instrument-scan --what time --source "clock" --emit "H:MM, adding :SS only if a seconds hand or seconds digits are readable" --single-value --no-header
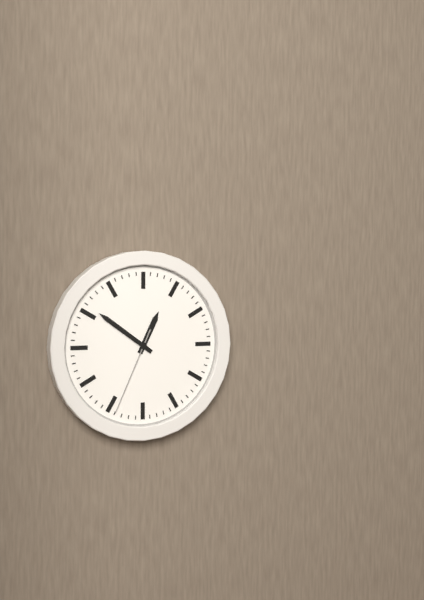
12:51:34
